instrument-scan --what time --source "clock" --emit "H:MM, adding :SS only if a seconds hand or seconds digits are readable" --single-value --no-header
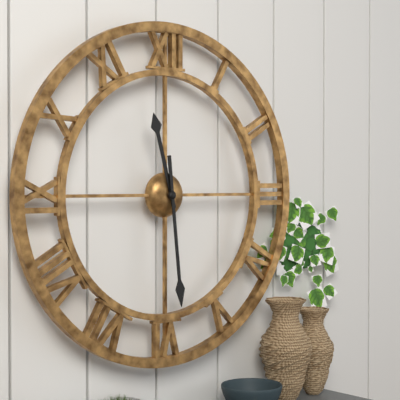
11:29
